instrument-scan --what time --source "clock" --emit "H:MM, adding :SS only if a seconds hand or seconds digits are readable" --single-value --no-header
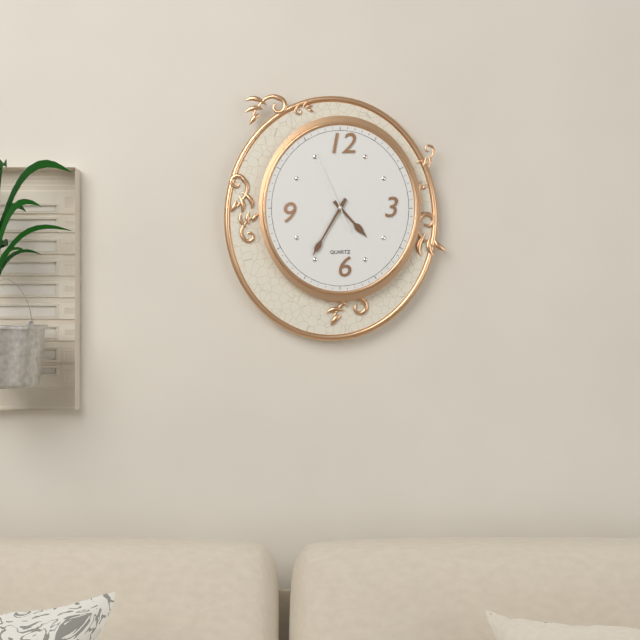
4:35:56
